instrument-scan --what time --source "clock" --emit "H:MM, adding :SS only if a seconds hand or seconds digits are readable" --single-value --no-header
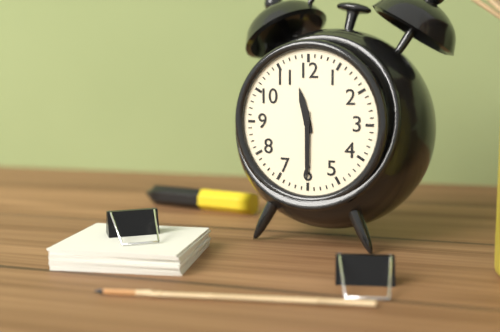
11:30
